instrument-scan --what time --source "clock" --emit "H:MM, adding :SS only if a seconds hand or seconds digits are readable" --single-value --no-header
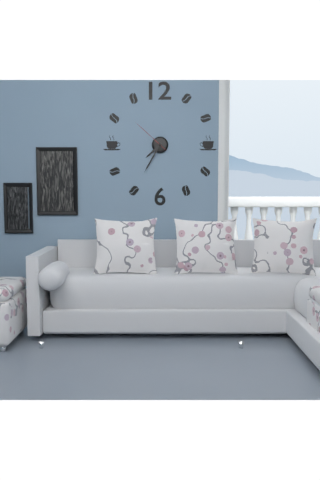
7:35
